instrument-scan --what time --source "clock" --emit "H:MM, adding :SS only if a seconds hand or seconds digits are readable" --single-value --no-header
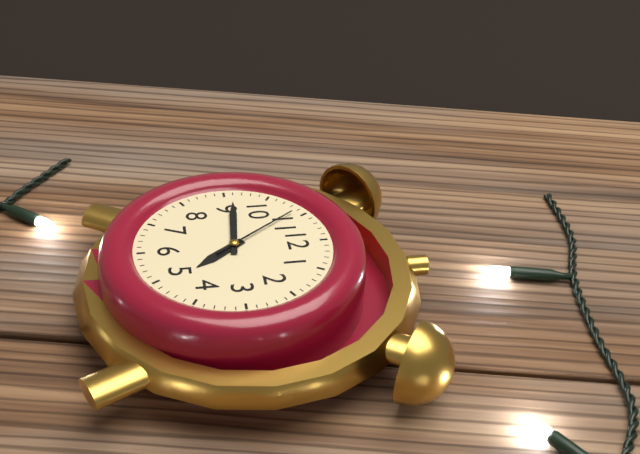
4:46:54
